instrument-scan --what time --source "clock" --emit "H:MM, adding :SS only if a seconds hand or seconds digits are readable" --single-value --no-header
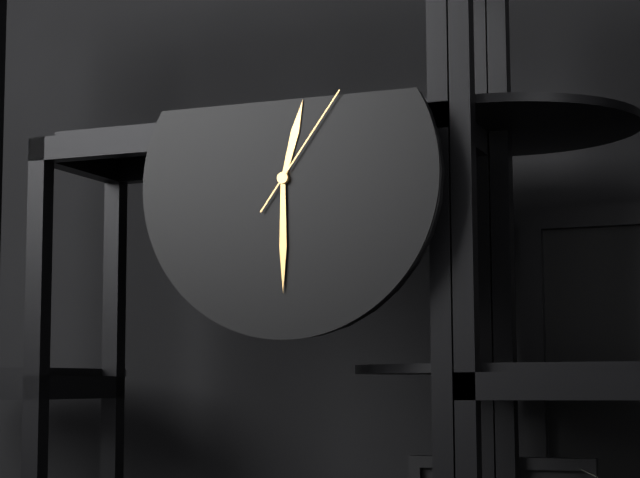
12:30:06
